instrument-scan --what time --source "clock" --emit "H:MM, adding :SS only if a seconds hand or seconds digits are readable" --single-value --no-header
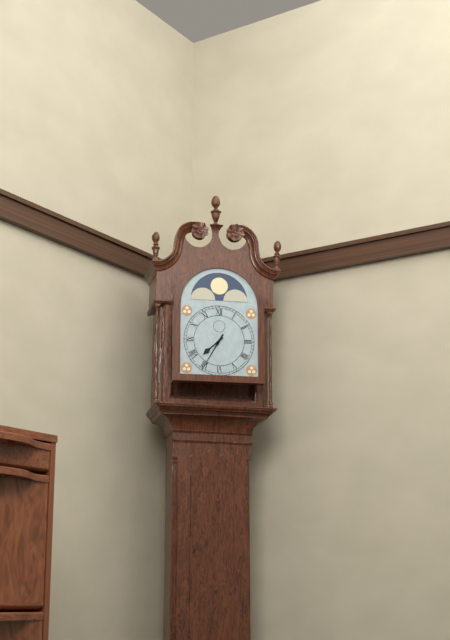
7:35
